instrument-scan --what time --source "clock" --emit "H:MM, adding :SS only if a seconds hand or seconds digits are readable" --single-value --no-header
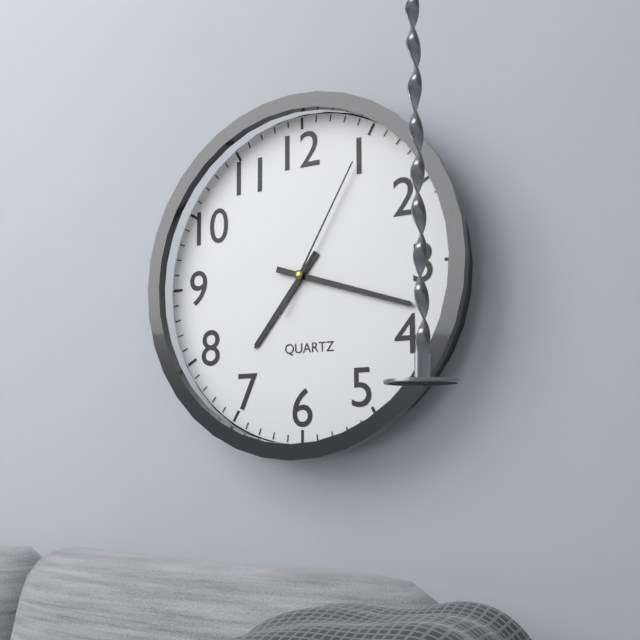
7:18:05
